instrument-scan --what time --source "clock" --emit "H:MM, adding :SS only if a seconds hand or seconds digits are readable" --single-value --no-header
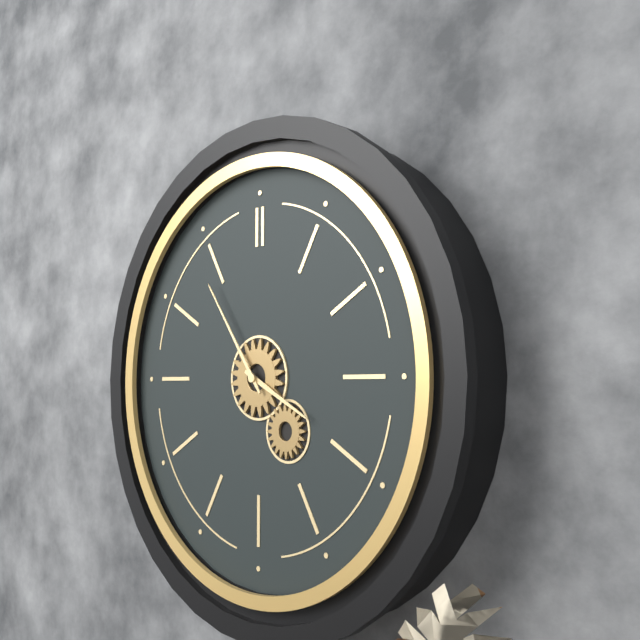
3:54
